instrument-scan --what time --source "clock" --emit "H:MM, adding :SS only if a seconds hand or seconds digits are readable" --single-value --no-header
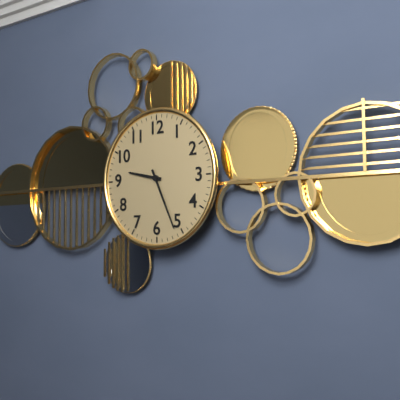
9:26
